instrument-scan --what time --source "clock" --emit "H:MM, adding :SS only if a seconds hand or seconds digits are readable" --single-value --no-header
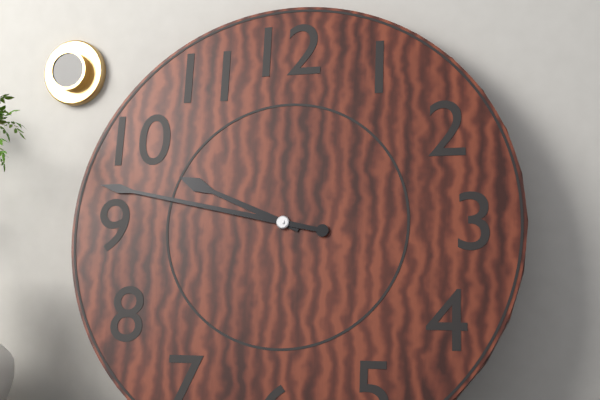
9:47
